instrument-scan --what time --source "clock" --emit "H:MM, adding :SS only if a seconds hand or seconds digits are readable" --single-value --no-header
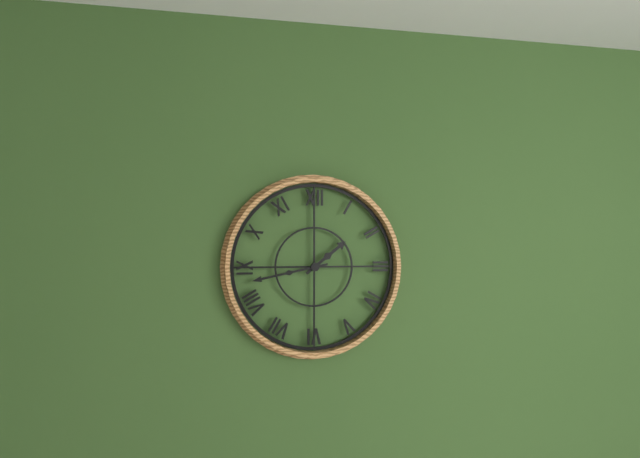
1:43
